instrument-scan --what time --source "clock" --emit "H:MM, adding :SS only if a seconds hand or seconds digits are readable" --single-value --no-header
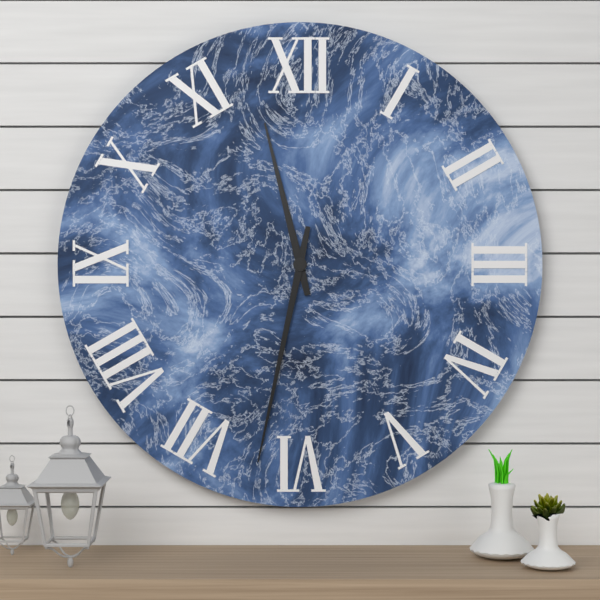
11:32
